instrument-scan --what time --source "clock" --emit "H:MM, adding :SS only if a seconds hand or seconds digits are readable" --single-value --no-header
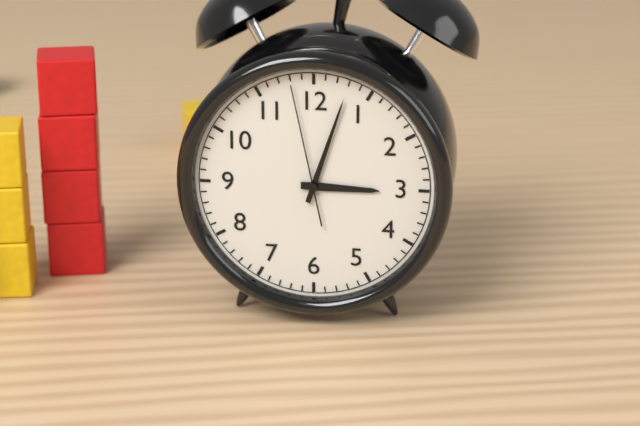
3:03:58
